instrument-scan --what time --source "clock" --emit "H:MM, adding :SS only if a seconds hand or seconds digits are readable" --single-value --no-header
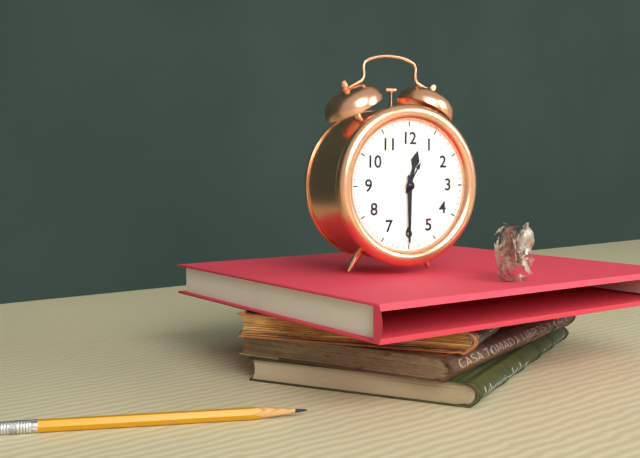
12:30
